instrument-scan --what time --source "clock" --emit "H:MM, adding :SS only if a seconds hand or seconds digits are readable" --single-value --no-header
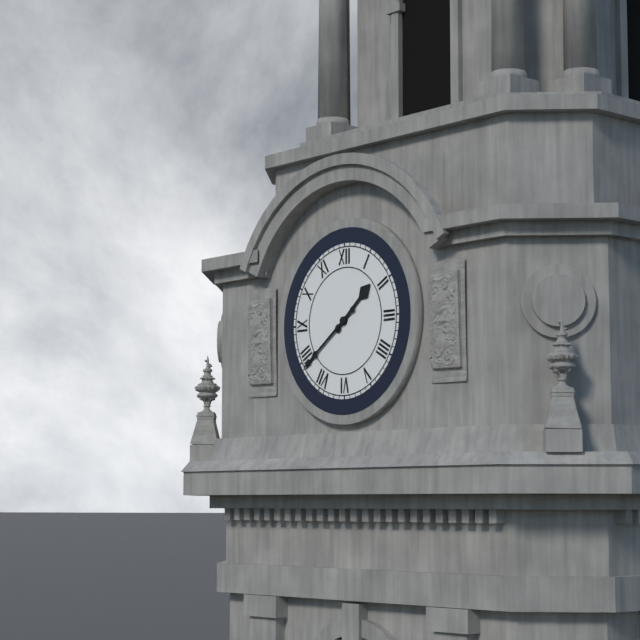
1:39
